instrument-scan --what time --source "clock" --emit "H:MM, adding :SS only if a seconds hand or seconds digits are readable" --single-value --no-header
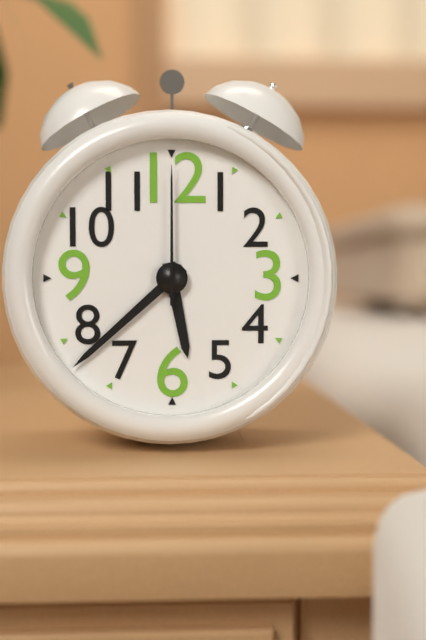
5:38:00
